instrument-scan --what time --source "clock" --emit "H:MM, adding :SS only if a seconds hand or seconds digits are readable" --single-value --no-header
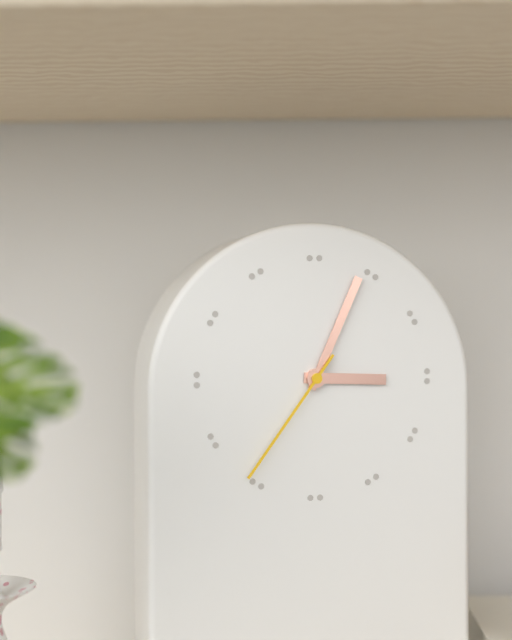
3:04:36
